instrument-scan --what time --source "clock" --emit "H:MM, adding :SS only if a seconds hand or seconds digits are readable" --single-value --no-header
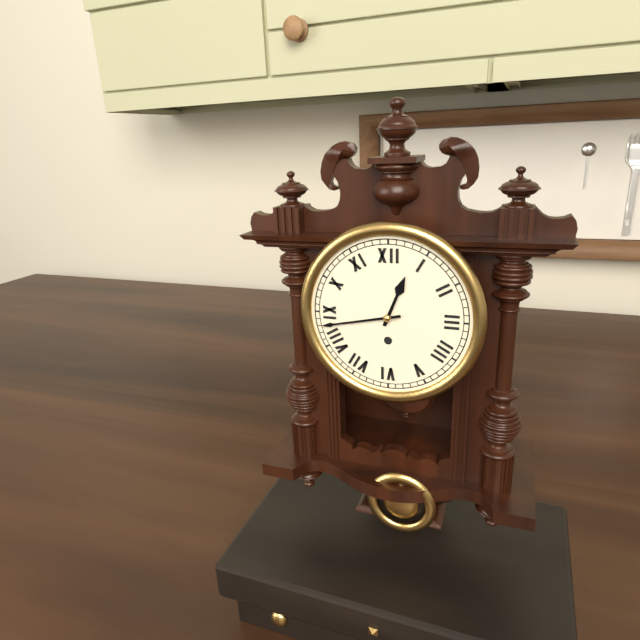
12:43
